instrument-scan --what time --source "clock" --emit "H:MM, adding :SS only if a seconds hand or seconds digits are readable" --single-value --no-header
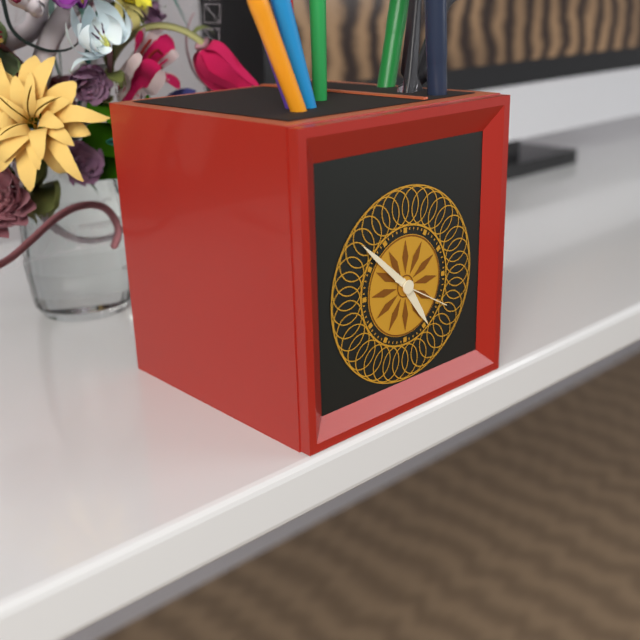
4:52:20
